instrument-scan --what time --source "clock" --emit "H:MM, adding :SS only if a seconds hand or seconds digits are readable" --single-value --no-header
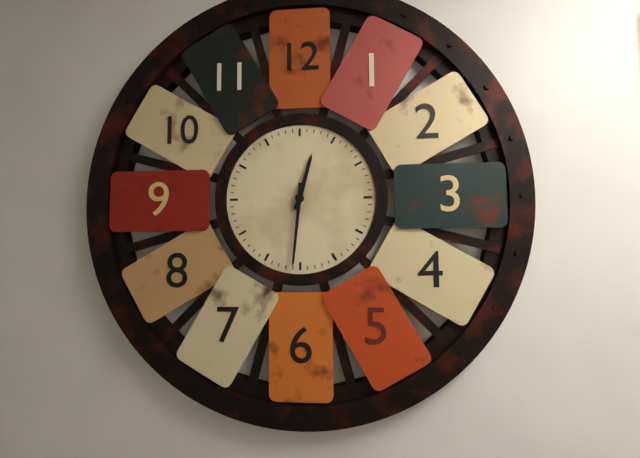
12:31
